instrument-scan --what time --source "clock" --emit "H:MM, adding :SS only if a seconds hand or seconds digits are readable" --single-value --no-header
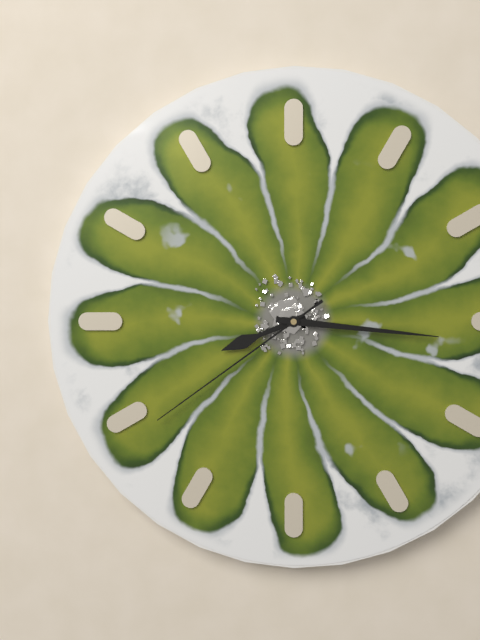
8:16:39
